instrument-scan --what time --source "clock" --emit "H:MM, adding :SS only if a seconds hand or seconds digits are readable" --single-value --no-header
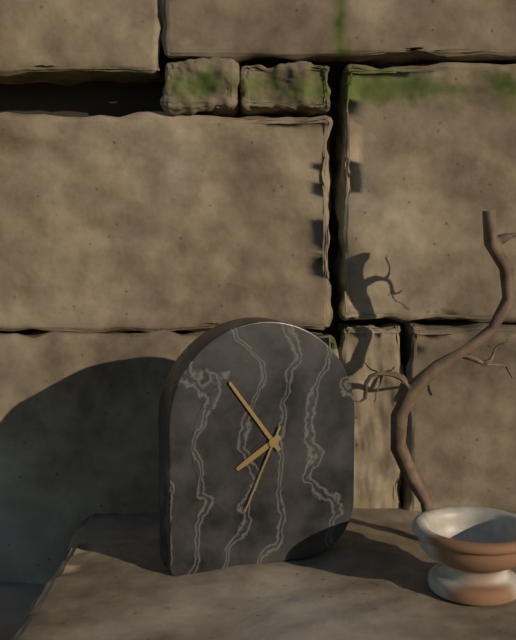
7:54:34
